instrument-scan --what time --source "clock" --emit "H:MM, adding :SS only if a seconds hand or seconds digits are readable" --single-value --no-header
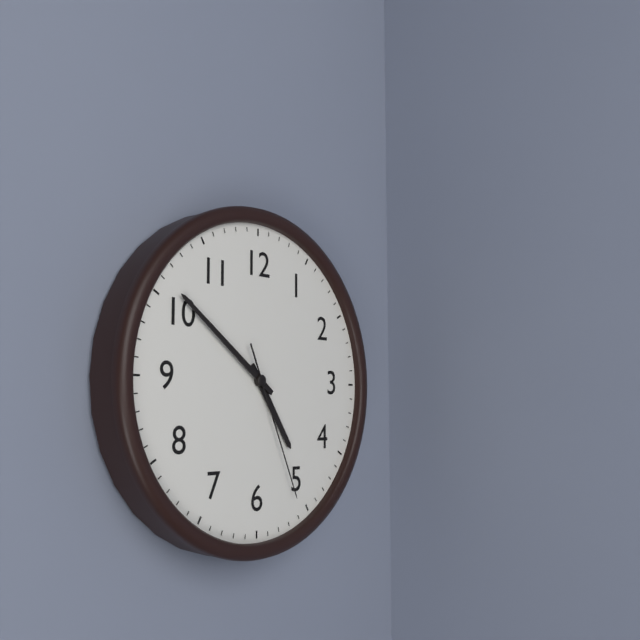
4:51:26
